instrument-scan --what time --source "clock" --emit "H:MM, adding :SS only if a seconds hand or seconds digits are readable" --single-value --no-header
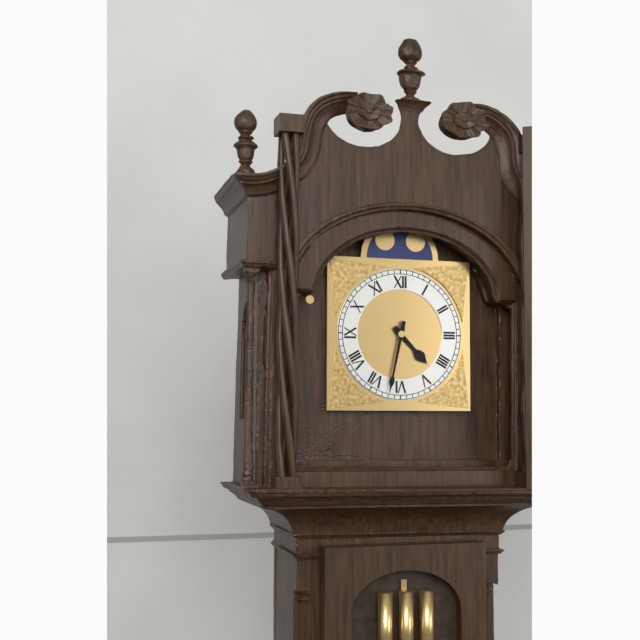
4:32
